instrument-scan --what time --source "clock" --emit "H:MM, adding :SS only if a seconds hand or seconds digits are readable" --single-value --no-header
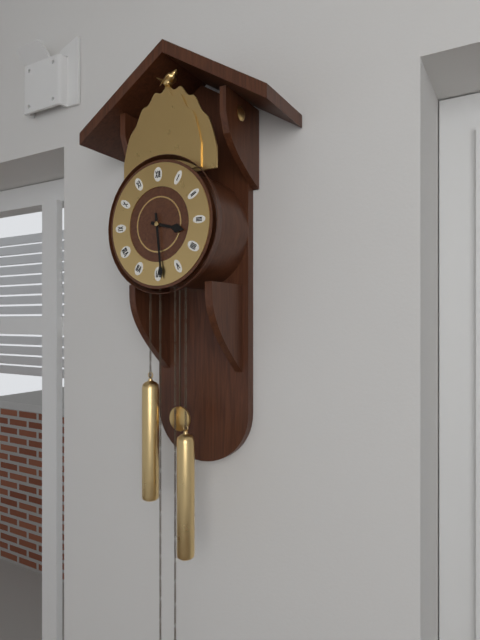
3:29
